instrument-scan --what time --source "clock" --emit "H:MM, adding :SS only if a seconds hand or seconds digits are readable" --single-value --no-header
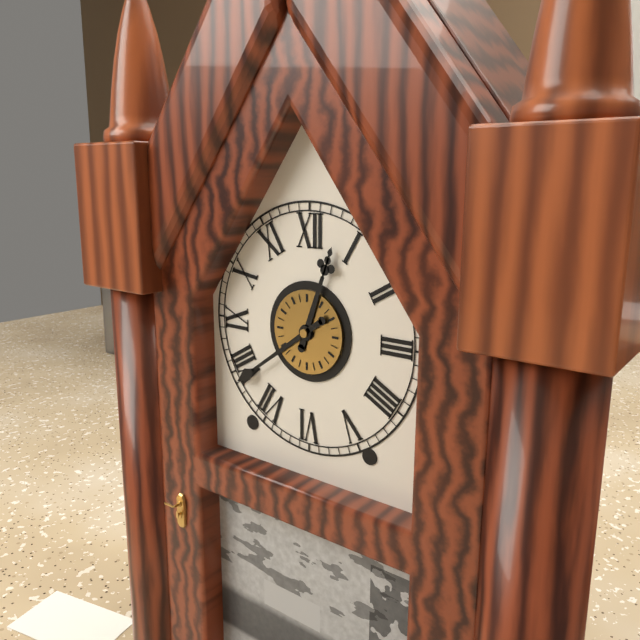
12:39
